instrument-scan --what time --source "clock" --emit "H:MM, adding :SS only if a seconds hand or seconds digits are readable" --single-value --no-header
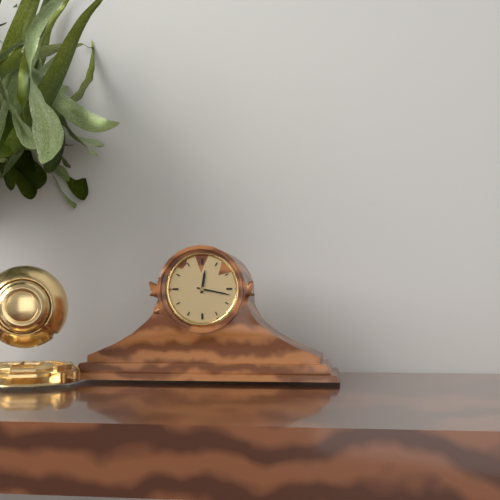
12:17
